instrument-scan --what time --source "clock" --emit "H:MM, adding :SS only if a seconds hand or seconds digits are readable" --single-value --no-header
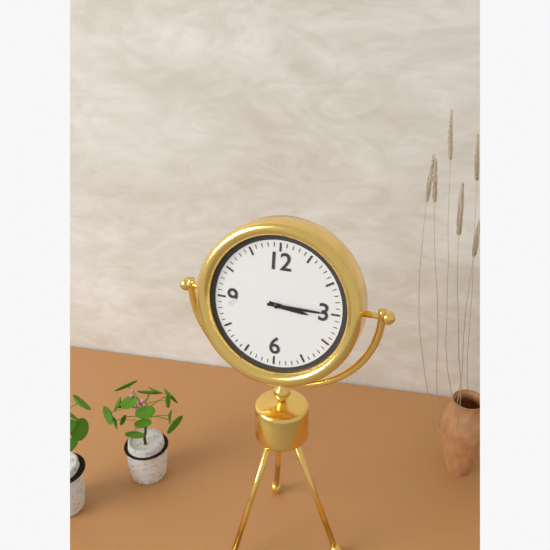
3:15
